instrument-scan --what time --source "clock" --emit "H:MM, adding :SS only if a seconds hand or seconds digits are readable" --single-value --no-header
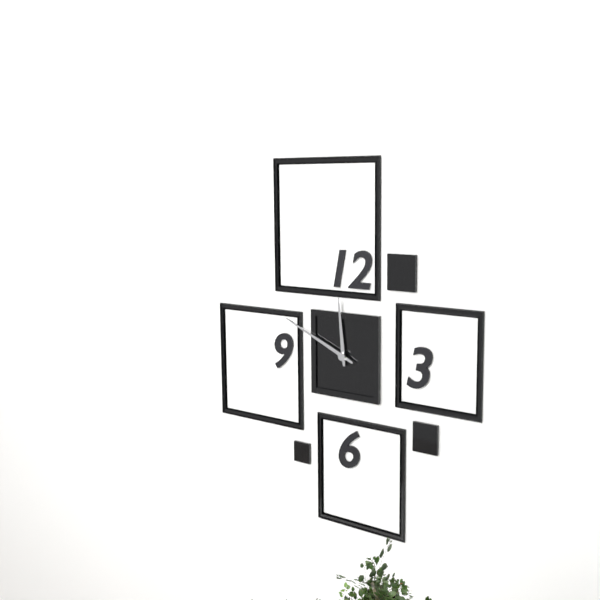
11:49
